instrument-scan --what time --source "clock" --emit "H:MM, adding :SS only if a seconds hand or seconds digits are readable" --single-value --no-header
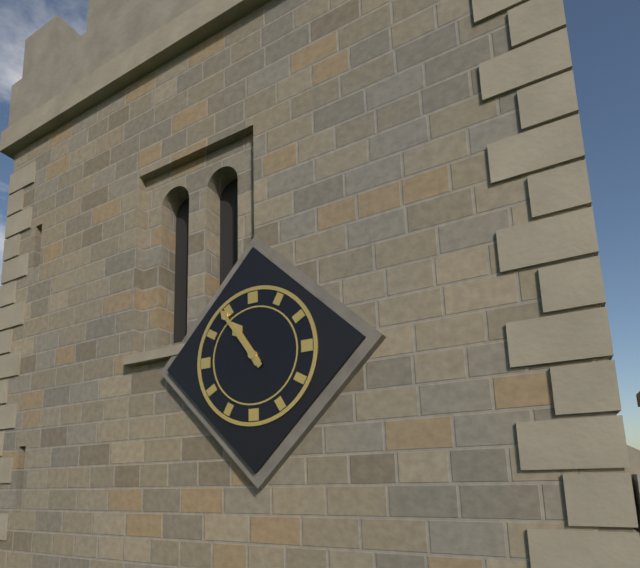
10:54
